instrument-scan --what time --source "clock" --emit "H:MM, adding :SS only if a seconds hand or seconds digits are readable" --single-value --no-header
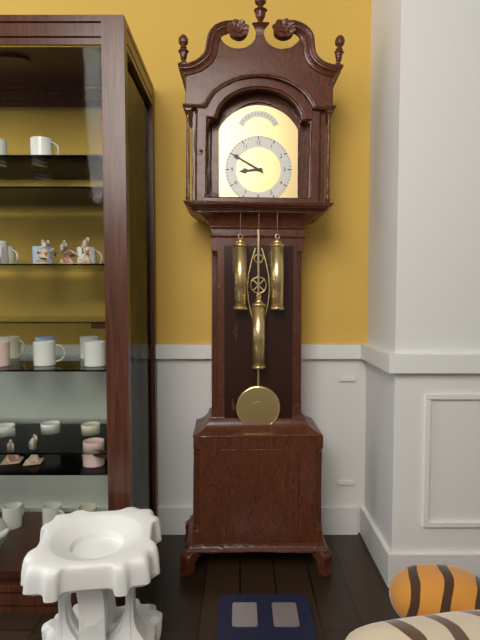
8:50
